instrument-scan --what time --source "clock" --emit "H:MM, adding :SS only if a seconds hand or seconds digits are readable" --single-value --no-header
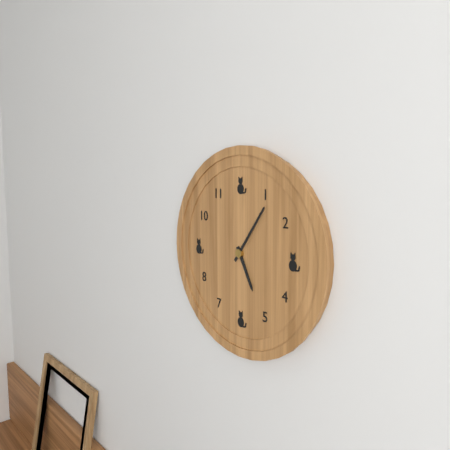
5:06
